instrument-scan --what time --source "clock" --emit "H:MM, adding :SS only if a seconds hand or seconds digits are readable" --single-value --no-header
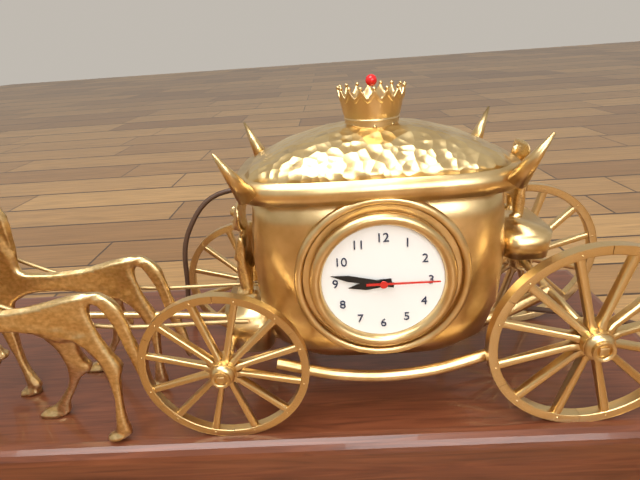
8:47:15
